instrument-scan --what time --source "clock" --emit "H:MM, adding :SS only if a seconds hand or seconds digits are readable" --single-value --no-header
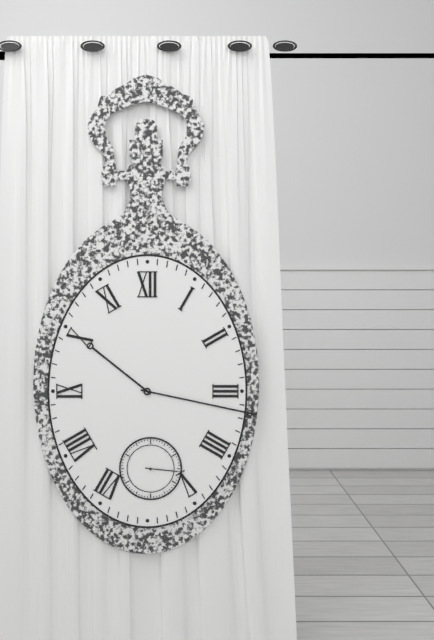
10:17
